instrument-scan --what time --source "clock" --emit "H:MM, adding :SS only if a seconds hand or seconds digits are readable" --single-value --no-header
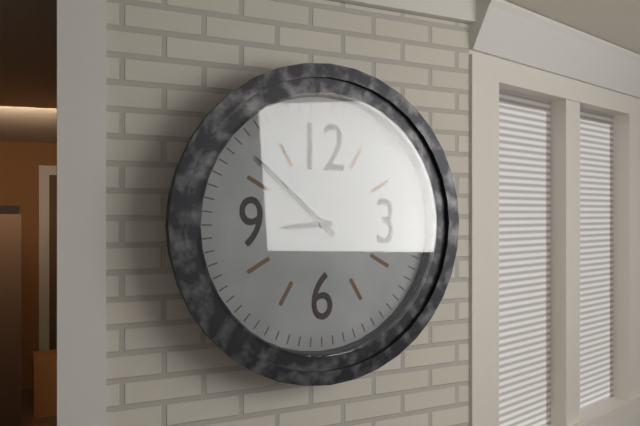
8:52
